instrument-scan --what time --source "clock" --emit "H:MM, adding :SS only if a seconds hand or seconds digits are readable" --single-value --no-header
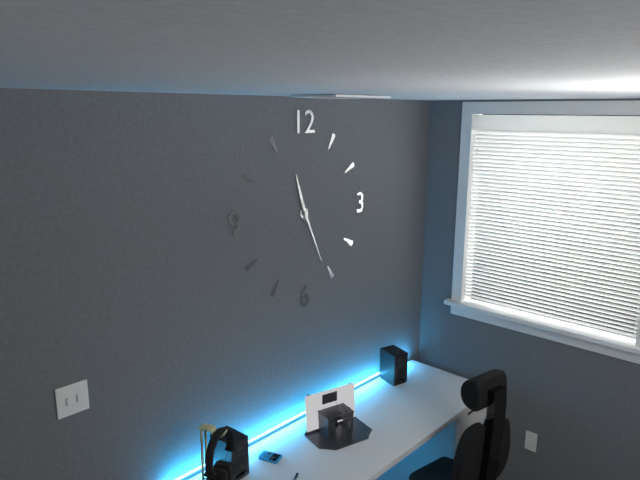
11:26
